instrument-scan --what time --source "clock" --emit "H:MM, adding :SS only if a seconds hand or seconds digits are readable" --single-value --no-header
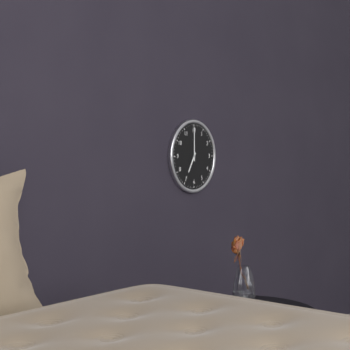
7:00
